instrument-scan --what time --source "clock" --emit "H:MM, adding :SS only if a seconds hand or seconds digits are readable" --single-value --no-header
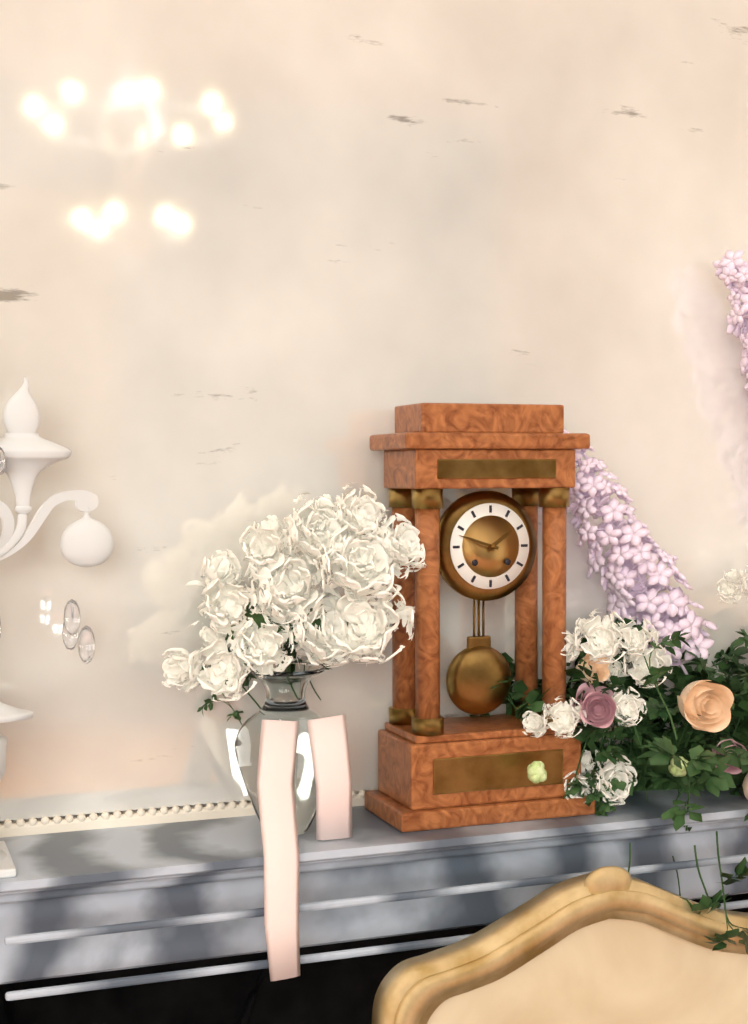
1:48
